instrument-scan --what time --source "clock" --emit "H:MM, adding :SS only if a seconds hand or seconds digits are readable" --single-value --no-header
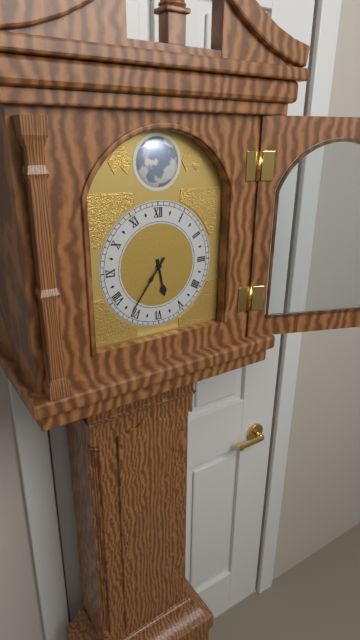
5:36
